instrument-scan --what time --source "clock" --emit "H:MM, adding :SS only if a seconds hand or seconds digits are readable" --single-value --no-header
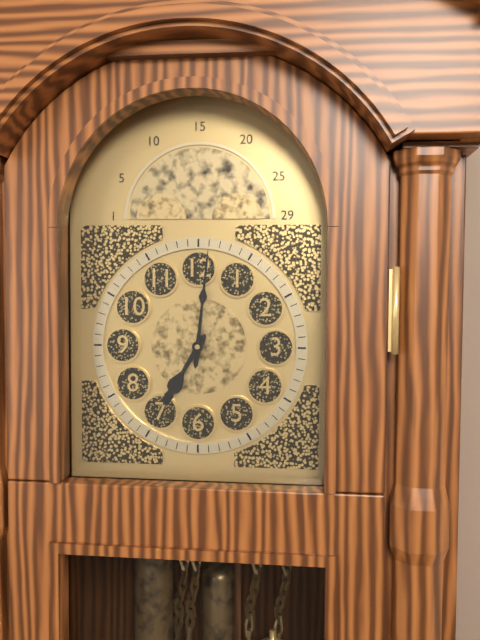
7:01
